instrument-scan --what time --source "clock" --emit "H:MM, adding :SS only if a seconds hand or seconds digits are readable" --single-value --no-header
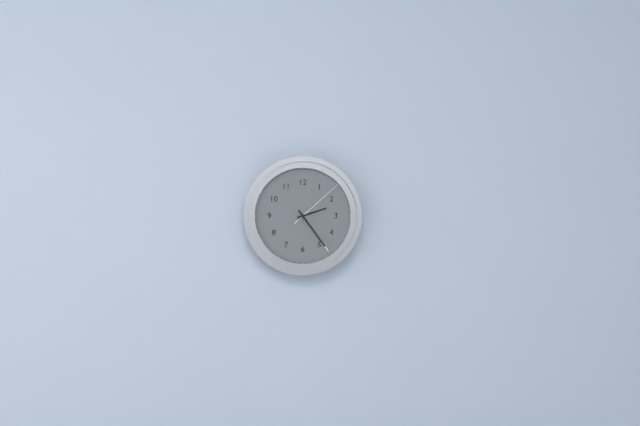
2:24:08
